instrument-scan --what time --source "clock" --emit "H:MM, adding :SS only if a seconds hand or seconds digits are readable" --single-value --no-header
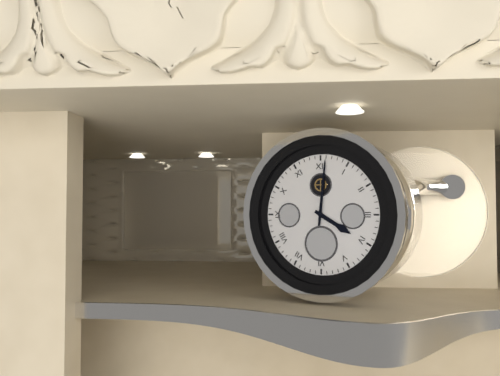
4:01
